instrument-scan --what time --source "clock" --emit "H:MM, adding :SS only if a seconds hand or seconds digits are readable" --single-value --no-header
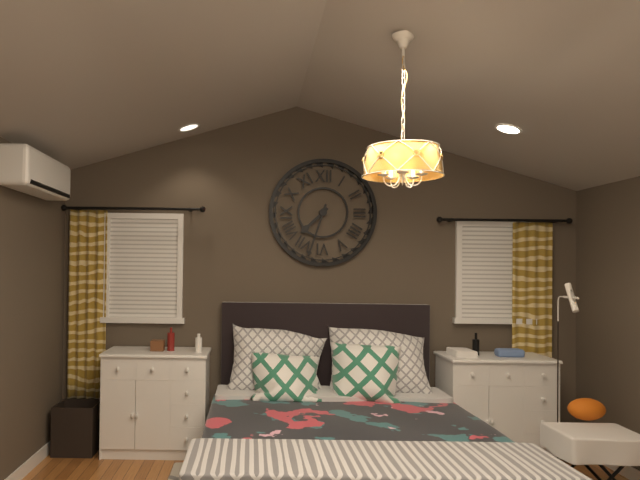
7:33
